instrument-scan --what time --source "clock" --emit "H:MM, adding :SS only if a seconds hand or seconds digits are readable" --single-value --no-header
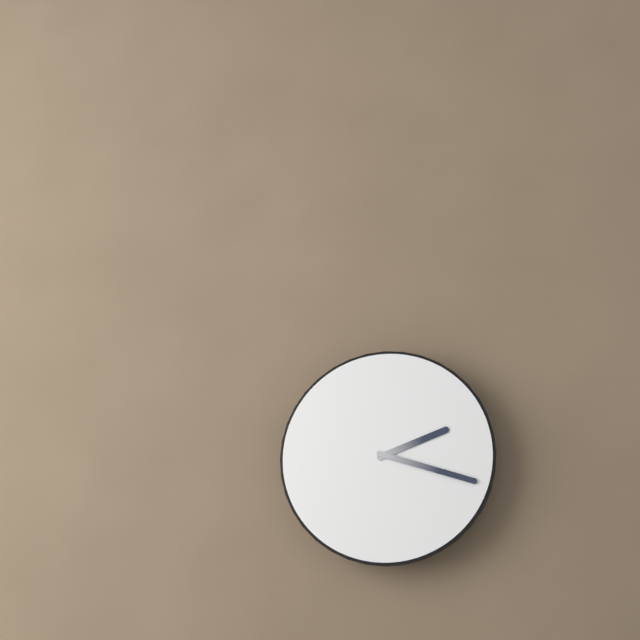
2:18
